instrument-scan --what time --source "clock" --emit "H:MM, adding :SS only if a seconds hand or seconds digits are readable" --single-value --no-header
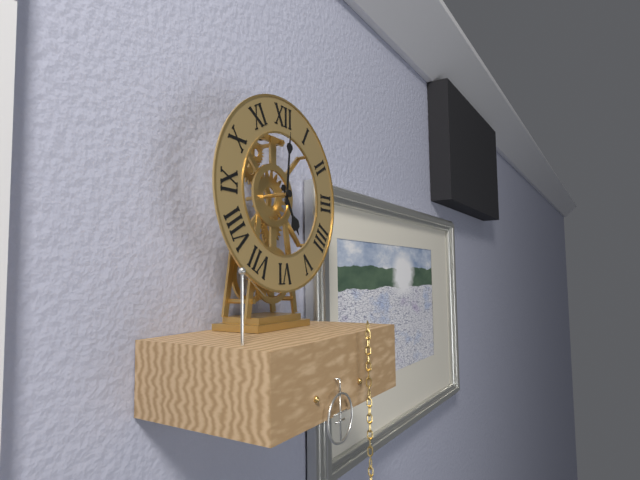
5:01
